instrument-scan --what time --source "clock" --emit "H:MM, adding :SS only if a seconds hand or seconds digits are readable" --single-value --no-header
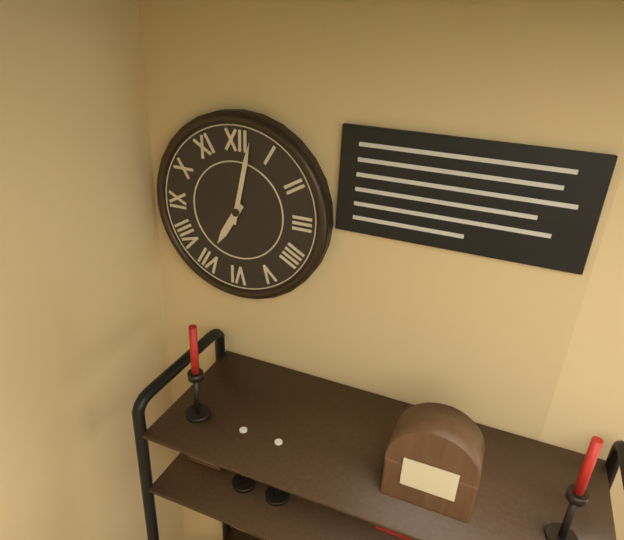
7:02
